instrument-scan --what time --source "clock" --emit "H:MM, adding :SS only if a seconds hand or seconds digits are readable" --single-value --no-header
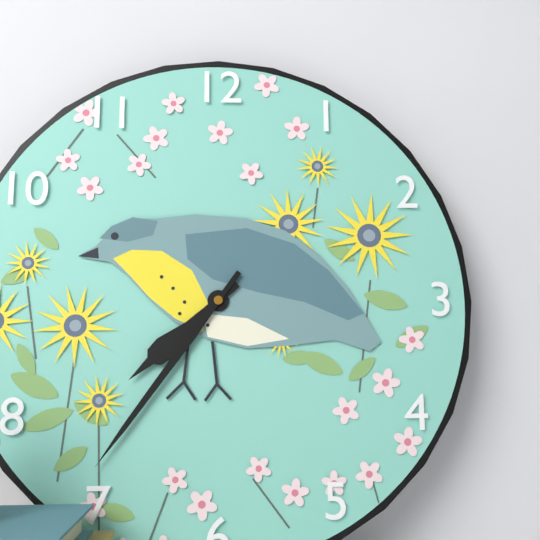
7:36
